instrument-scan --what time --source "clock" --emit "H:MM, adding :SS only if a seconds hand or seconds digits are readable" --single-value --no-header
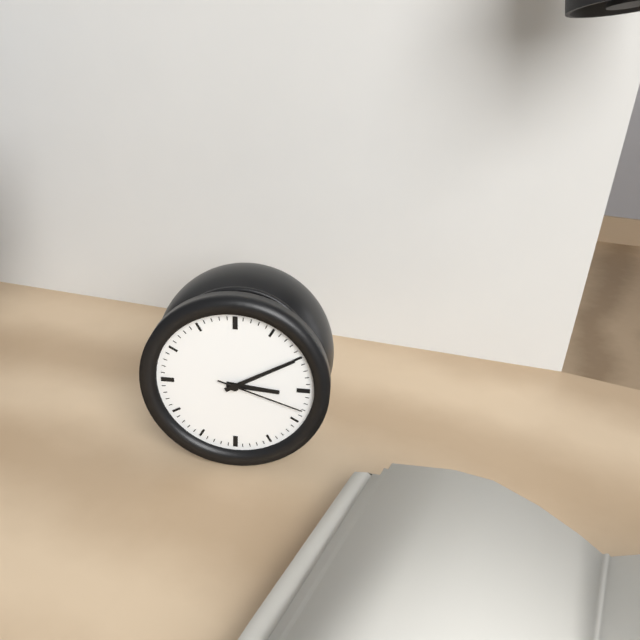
3:10:18
